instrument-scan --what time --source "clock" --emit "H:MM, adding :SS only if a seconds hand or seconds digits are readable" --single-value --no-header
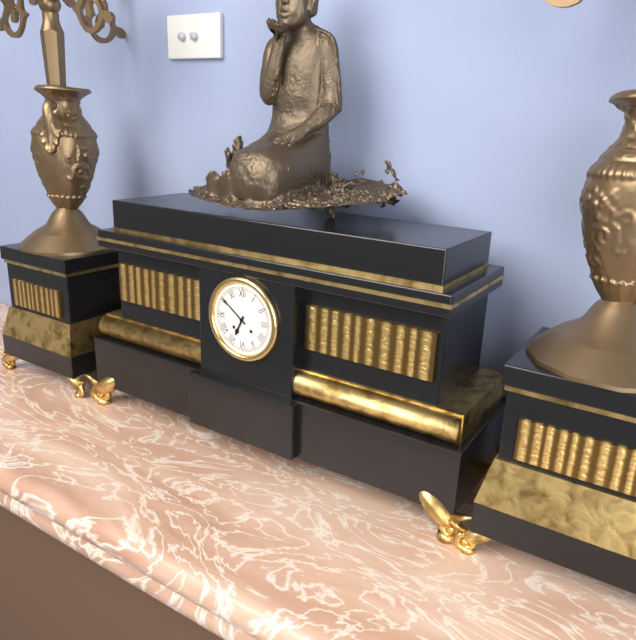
6:51
